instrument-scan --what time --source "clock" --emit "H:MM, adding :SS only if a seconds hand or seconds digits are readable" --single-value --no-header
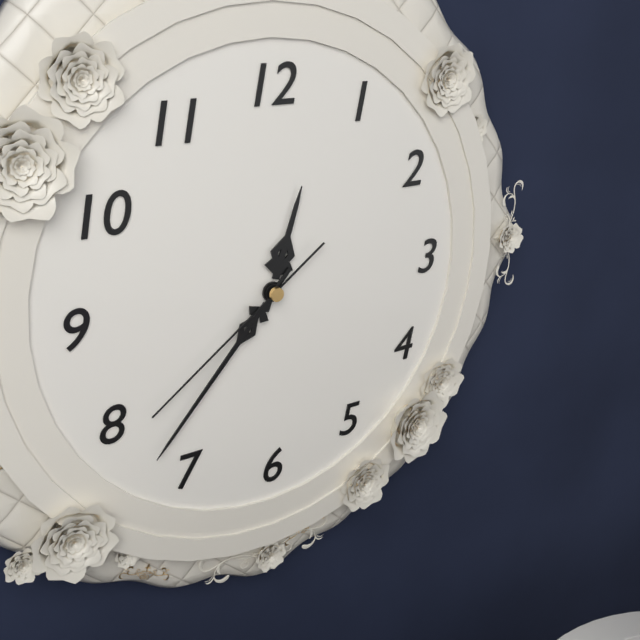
12:37:39
